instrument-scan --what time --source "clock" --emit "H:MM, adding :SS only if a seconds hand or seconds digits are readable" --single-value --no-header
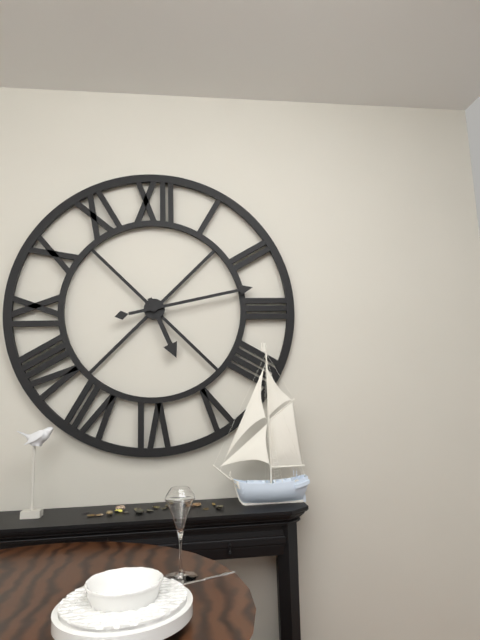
5:13
